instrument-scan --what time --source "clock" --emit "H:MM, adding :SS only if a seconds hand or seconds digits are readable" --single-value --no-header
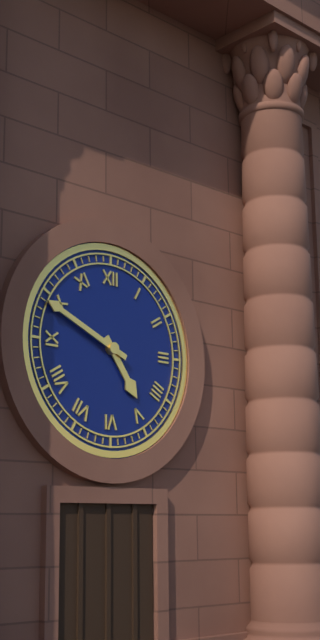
4:49
